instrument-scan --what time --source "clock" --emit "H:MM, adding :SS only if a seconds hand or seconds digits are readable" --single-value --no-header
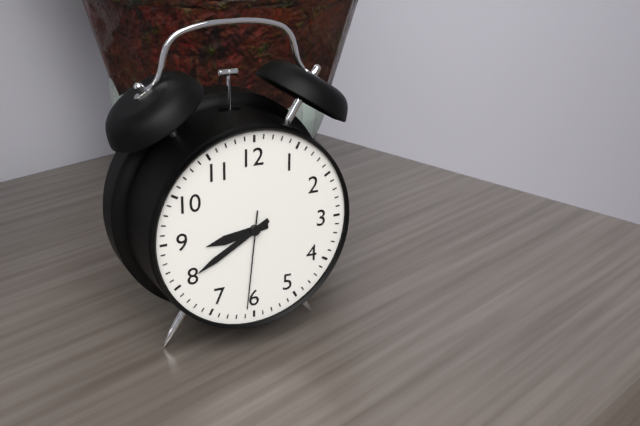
8:40:31
